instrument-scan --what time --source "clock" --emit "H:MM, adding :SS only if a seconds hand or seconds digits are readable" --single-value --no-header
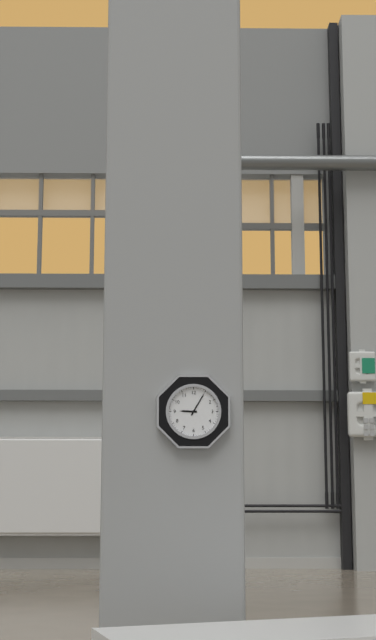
9:05
